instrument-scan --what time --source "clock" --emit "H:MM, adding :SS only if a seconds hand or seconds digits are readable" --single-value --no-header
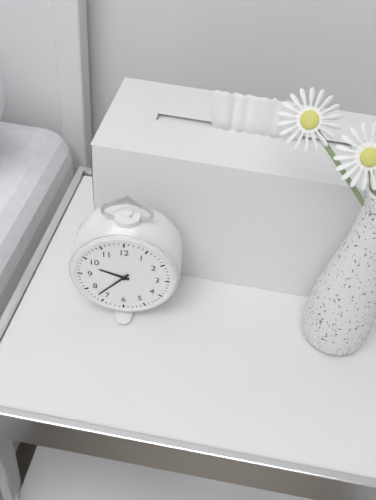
9:37
